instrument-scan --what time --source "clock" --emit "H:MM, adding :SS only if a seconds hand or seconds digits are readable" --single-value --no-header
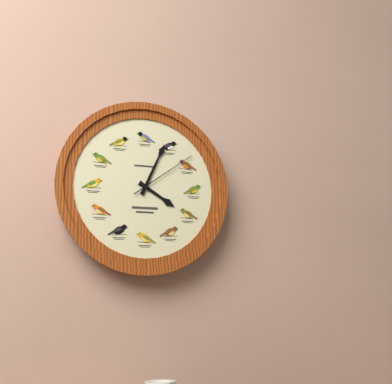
4:04:09
